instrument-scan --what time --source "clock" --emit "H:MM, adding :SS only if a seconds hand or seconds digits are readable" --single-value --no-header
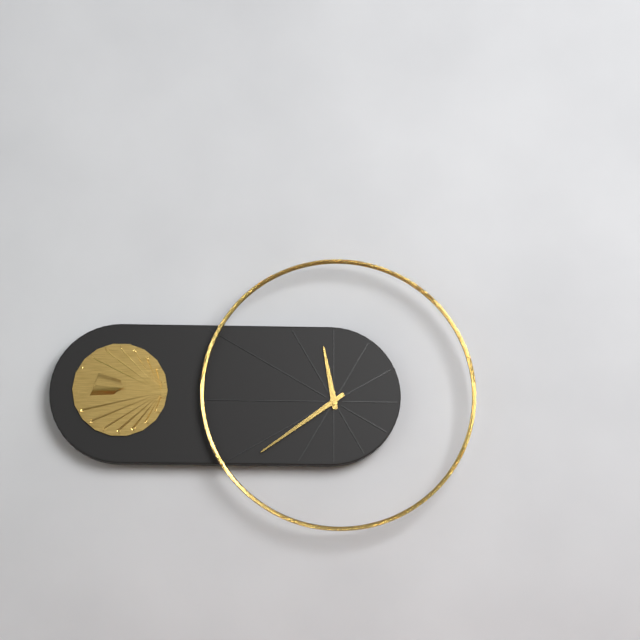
11:39
